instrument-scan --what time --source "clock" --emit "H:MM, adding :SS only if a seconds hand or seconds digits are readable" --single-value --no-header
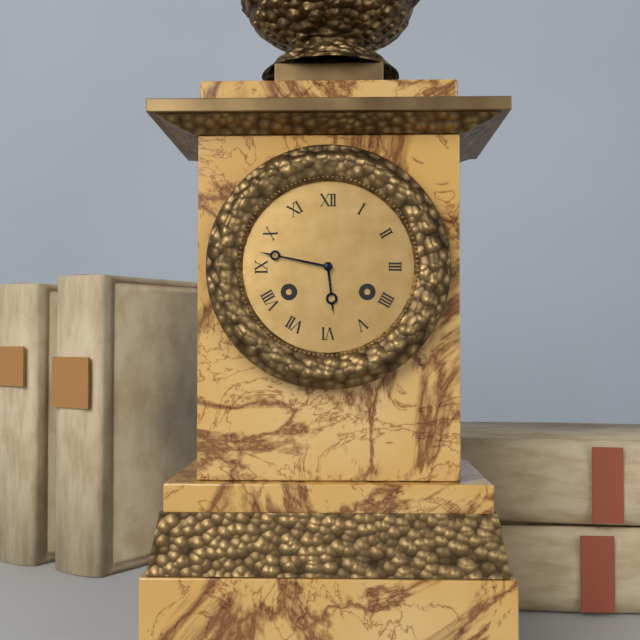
5:47
